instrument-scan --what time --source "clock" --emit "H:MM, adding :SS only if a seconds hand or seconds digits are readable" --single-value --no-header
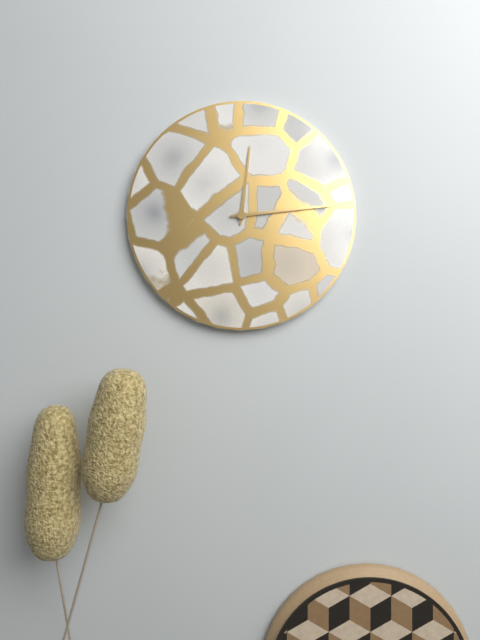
12:14
